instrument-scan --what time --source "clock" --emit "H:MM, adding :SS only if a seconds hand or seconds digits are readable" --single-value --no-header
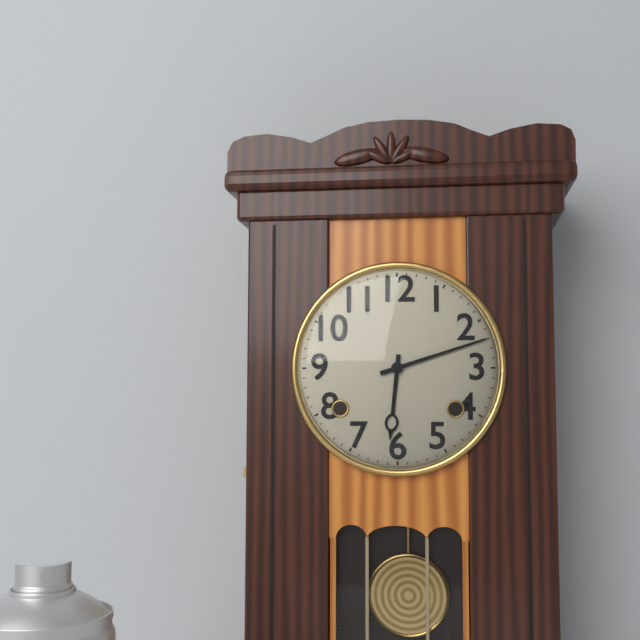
6:12
